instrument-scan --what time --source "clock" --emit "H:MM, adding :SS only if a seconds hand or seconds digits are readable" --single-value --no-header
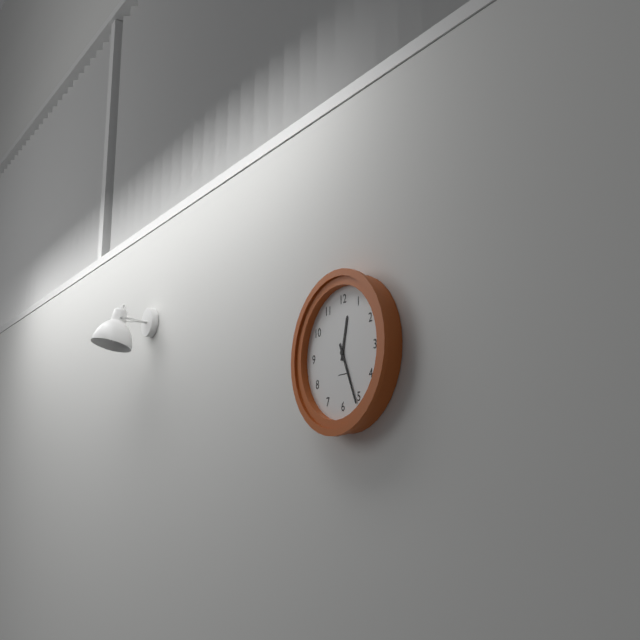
12:26
